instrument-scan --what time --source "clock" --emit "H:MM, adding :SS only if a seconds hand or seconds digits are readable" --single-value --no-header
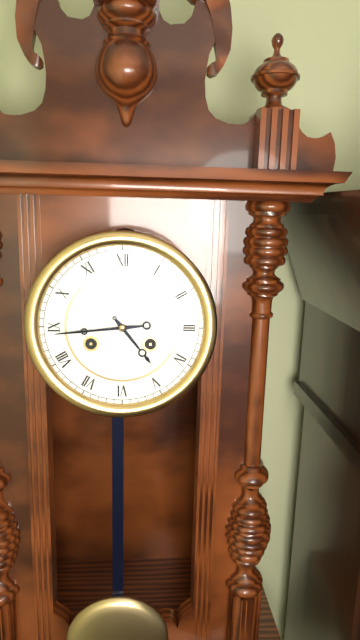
4:44
